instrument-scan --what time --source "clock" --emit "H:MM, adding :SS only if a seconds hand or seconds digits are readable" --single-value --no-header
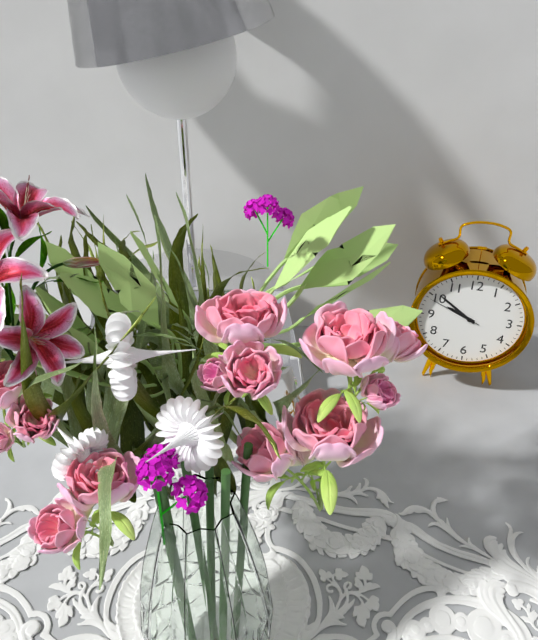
9:51:49
